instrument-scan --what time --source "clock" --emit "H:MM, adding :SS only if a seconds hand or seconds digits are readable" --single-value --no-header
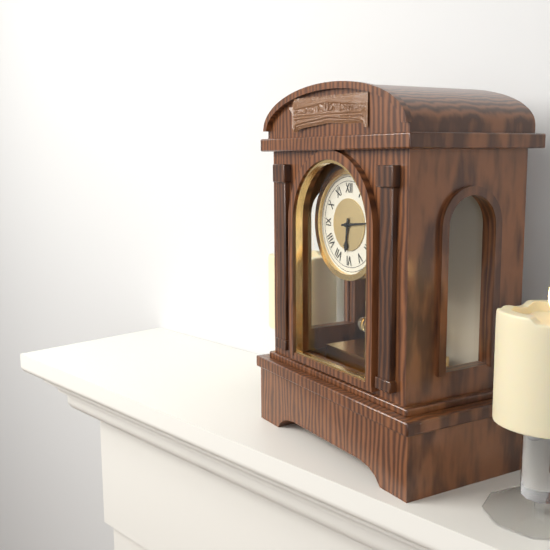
6:14
